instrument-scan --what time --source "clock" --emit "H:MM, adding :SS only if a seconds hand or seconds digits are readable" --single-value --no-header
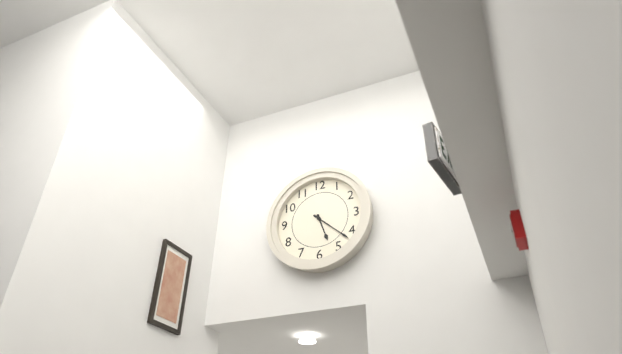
5:22
